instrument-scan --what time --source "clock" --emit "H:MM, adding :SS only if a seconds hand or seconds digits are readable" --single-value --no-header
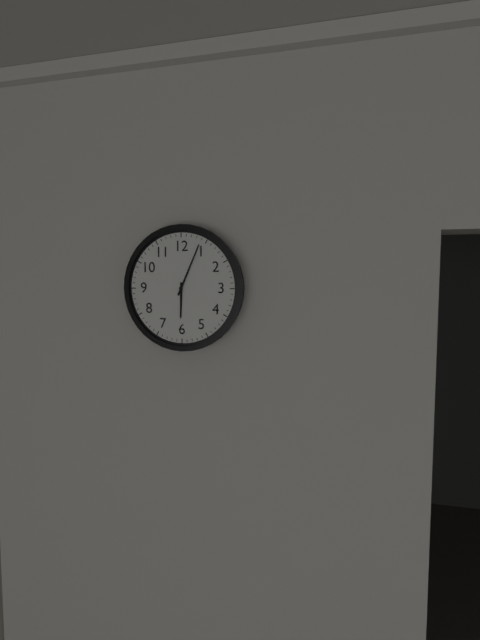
6:04
